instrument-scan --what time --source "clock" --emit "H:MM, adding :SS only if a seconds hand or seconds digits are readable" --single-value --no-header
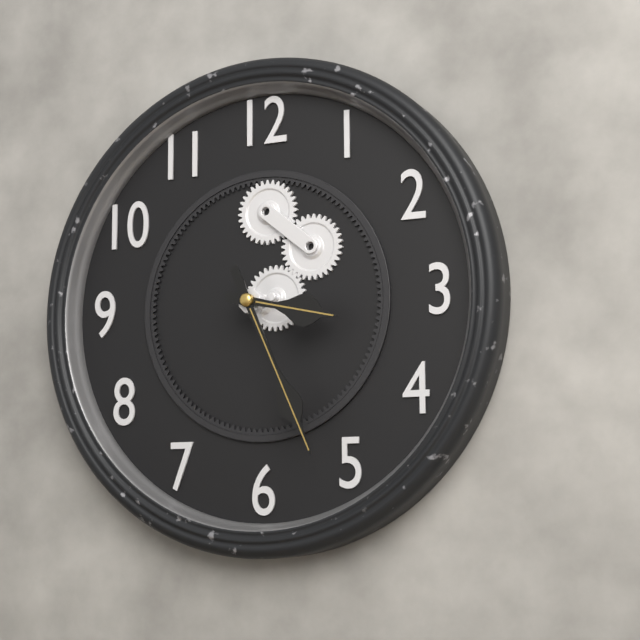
3:26
